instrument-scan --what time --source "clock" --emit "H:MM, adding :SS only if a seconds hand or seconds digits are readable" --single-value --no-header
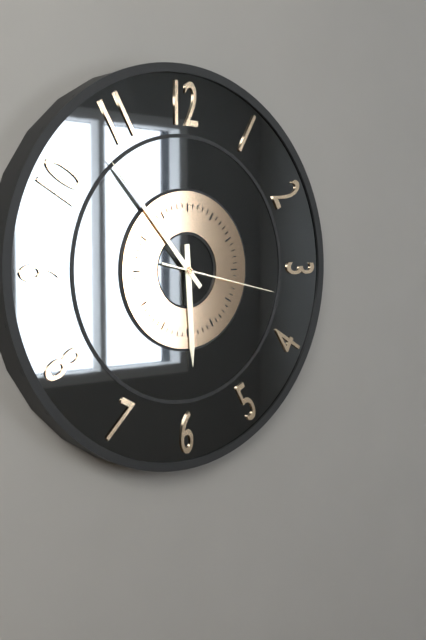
5:53:17
